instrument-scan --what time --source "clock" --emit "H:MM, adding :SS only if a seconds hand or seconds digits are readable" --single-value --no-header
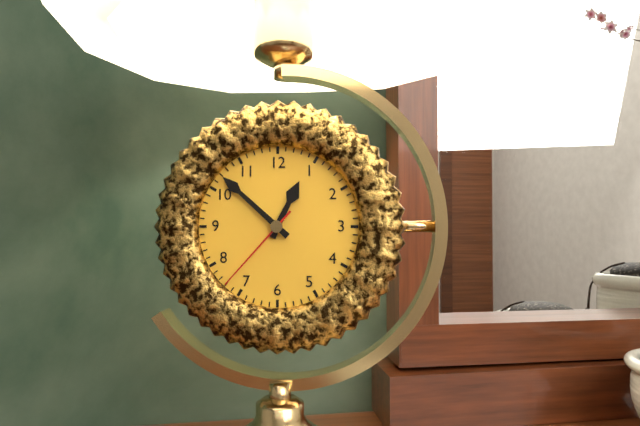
12:52:37
